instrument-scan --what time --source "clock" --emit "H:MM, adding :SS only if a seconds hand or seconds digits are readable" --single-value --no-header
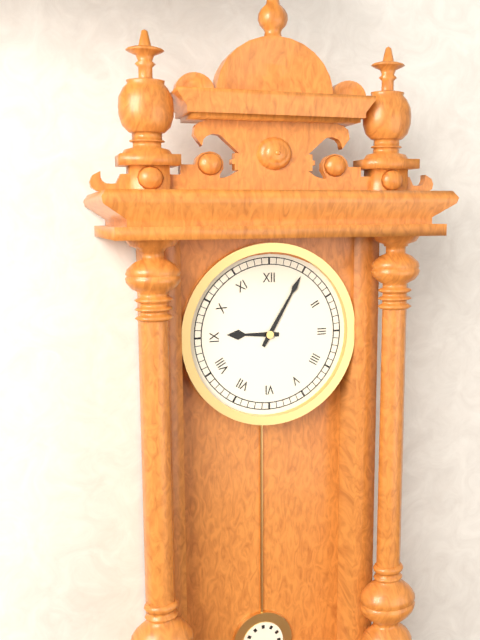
9:05
